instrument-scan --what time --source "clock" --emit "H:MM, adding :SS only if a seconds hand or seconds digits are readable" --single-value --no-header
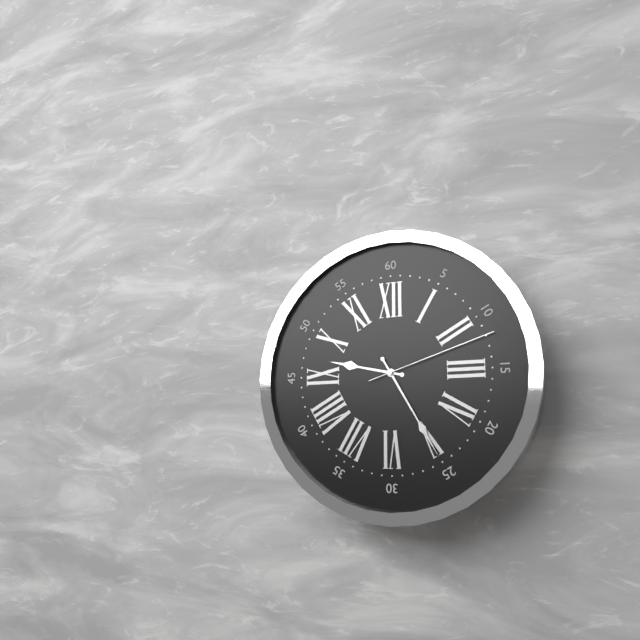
9:25:12
